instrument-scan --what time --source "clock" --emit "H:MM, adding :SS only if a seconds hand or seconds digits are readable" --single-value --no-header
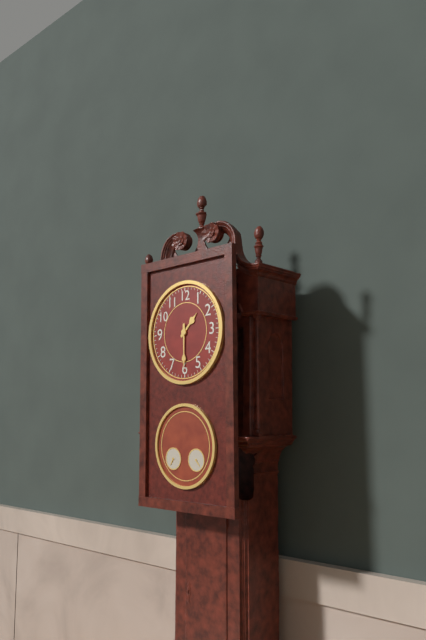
1:30
